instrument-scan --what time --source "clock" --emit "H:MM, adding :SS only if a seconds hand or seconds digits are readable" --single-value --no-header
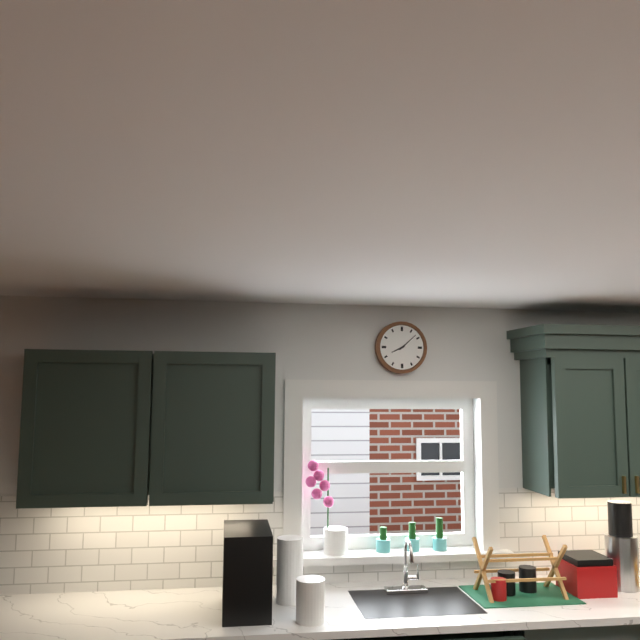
8:08
